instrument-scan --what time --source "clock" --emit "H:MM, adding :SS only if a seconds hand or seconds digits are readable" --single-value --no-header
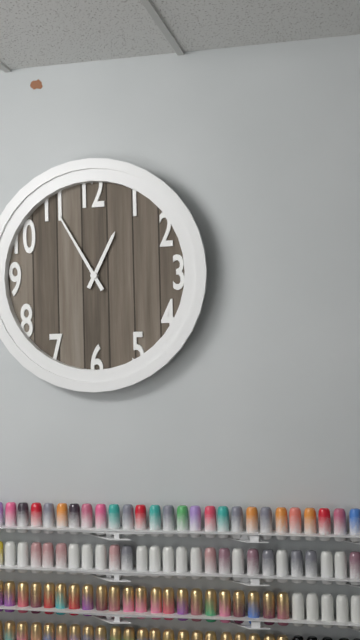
12:55
